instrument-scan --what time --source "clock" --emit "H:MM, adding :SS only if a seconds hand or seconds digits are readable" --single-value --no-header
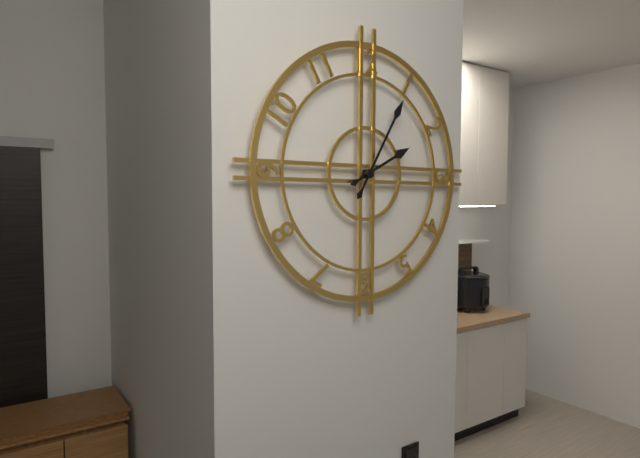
2:05
